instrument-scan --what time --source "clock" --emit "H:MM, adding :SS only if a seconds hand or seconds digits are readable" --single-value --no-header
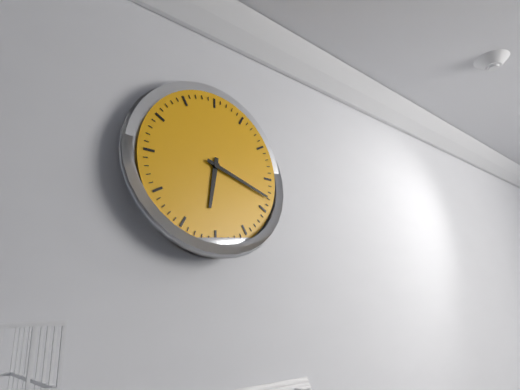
6:18
